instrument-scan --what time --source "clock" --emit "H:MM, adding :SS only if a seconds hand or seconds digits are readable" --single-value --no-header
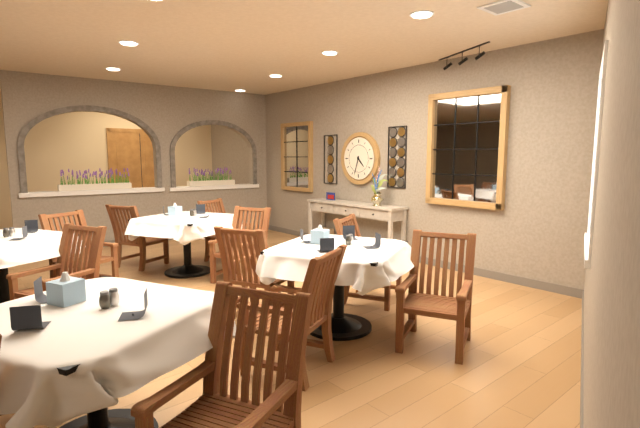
4:33
